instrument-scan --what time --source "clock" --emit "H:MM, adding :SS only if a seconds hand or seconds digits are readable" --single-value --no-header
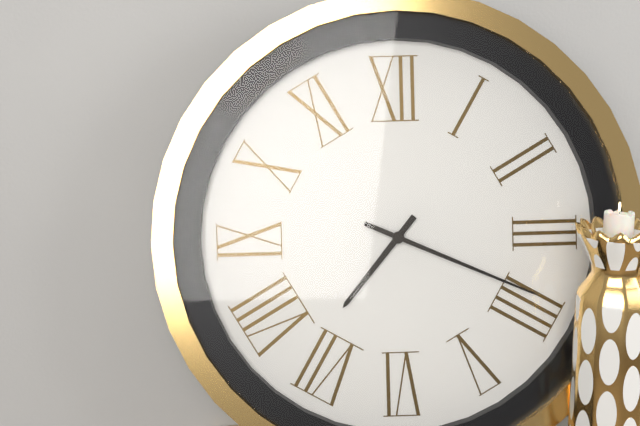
7:19
